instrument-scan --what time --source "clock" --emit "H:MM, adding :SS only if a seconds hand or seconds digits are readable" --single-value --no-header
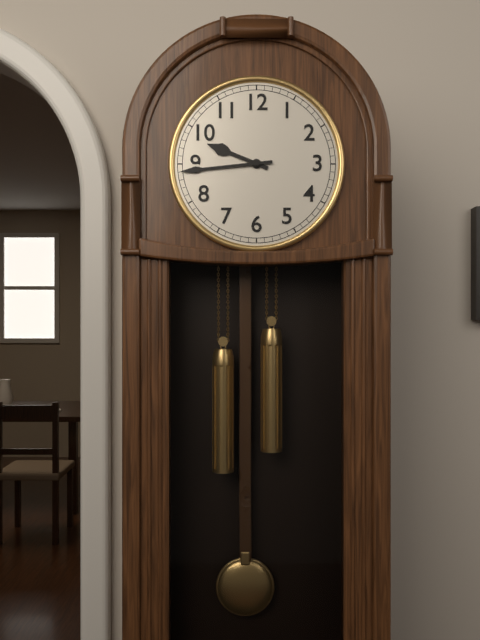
9:44
